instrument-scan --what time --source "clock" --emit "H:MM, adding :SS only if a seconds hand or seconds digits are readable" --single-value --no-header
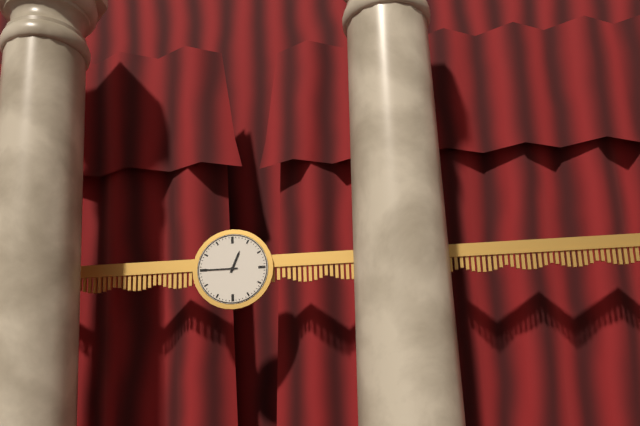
12:45
